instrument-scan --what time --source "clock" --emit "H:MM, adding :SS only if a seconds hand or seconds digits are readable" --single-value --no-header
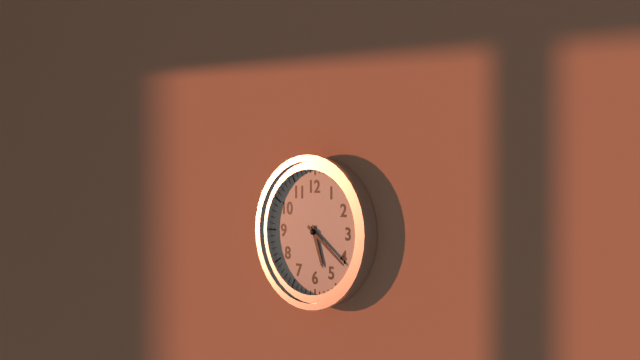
5:21
